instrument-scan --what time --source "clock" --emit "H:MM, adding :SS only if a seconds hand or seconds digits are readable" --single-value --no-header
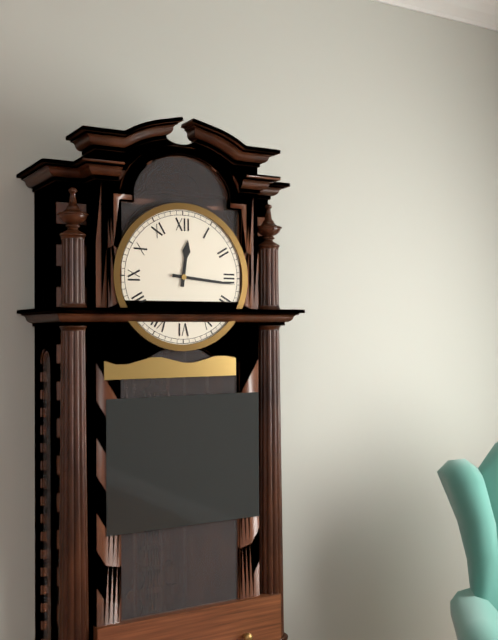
12:16
